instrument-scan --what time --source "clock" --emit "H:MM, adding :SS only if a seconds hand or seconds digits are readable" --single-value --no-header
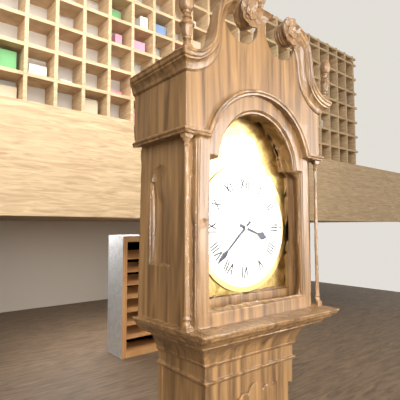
3:38
